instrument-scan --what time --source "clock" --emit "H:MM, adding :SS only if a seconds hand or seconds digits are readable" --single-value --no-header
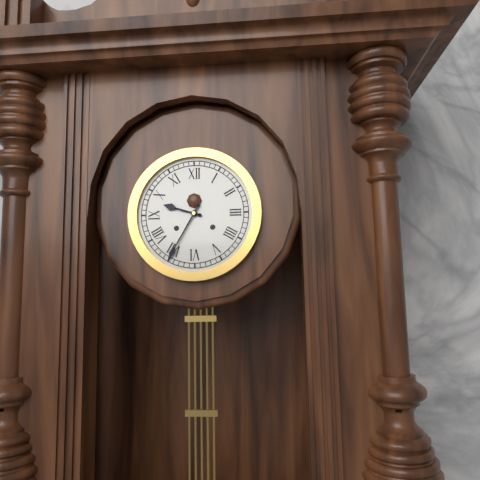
9:35
